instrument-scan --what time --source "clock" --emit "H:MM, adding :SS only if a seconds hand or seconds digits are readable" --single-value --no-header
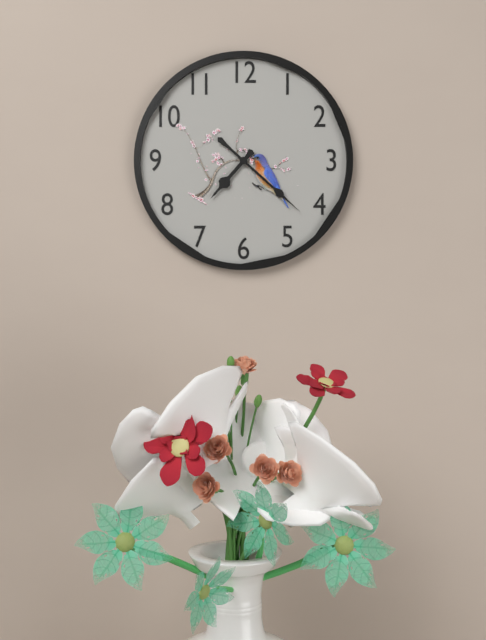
7:22
